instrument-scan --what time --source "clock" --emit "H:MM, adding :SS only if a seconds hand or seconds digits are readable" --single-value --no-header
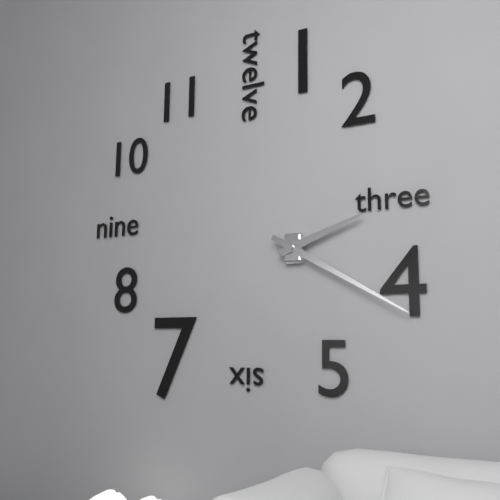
2:20
